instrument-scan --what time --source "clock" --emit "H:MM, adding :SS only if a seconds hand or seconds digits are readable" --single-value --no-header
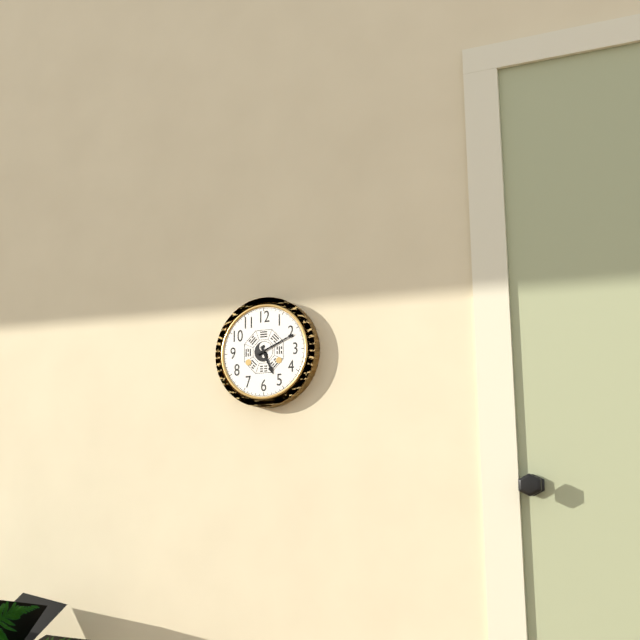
5:11
